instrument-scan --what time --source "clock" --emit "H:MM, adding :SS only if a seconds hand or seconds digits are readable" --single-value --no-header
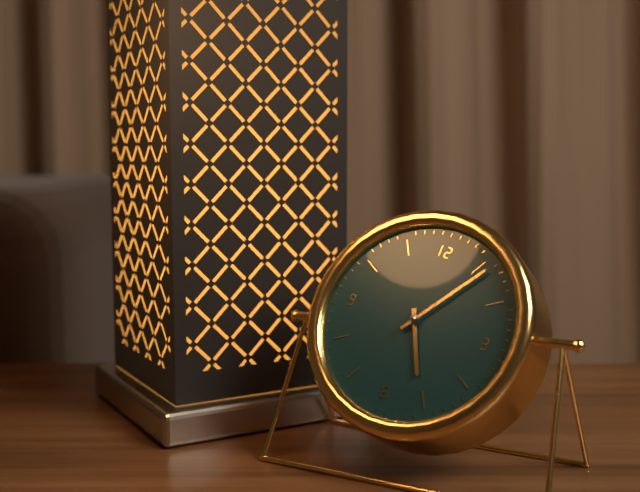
5:06
